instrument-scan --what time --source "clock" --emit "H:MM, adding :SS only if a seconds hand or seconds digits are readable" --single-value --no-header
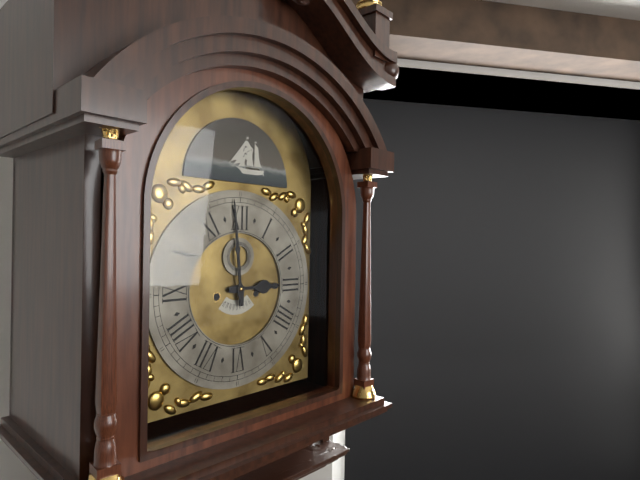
2:59
